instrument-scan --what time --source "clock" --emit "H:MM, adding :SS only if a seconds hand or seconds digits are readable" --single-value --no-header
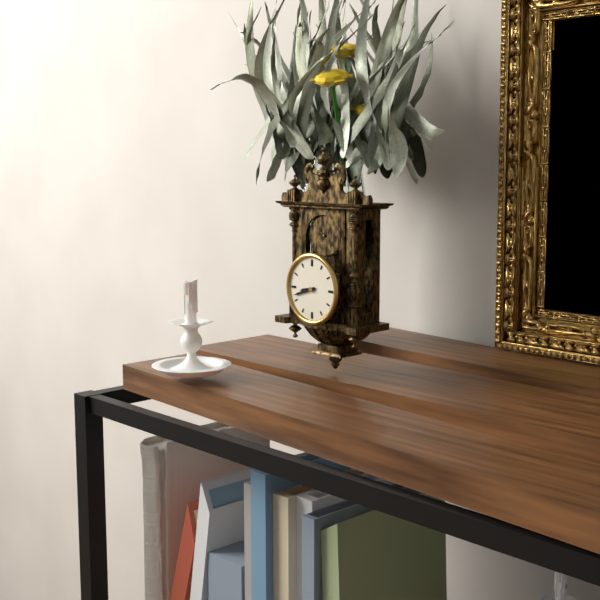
8:42
